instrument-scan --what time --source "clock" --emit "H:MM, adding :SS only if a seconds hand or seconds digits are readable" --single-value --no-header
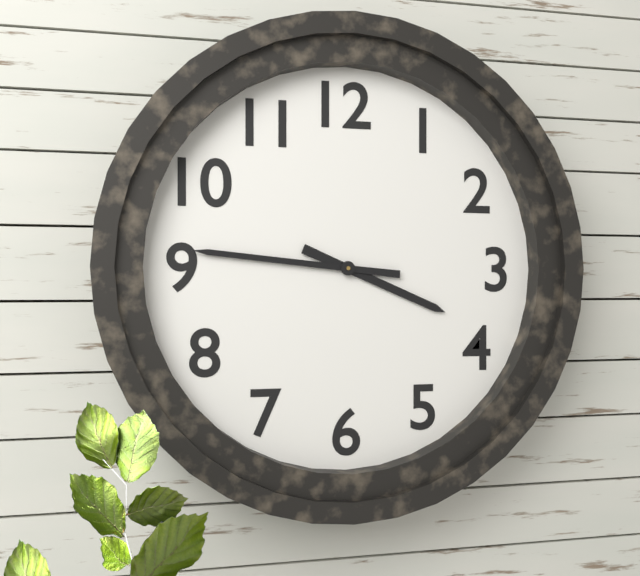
3:46
